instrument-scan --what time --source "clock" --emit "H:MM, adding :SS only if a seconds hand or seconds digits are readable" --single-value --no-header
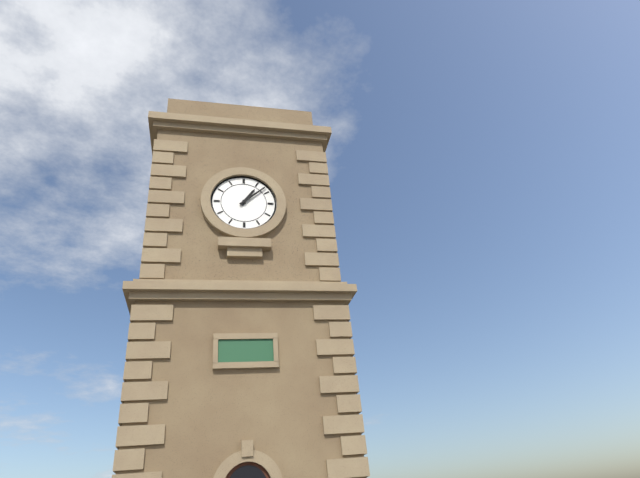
1:08
